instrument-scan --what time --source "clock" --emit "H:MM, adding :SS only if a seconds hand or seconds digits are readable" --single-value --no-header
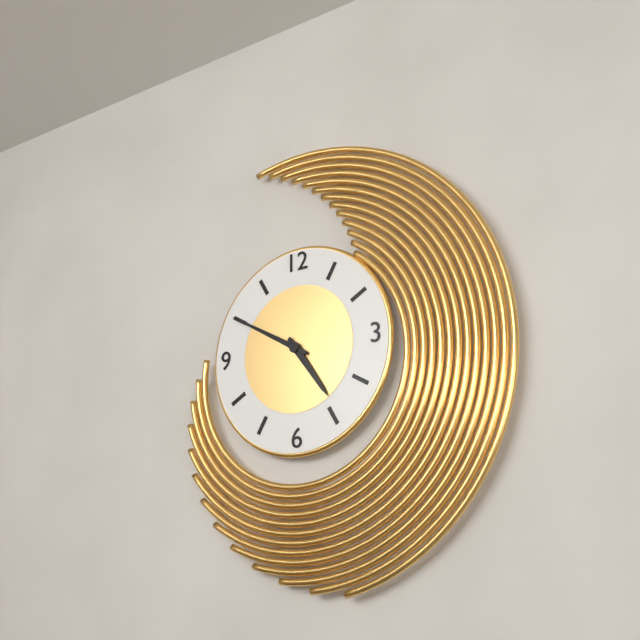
4:50
